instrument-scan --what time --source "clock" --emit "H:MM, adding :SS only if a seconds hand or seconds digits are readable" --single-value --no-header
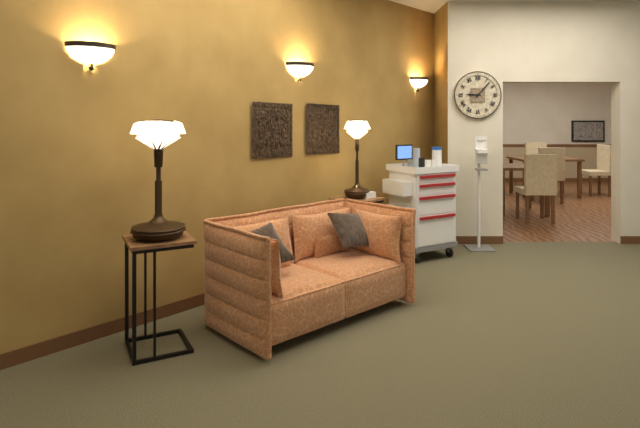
9:07
